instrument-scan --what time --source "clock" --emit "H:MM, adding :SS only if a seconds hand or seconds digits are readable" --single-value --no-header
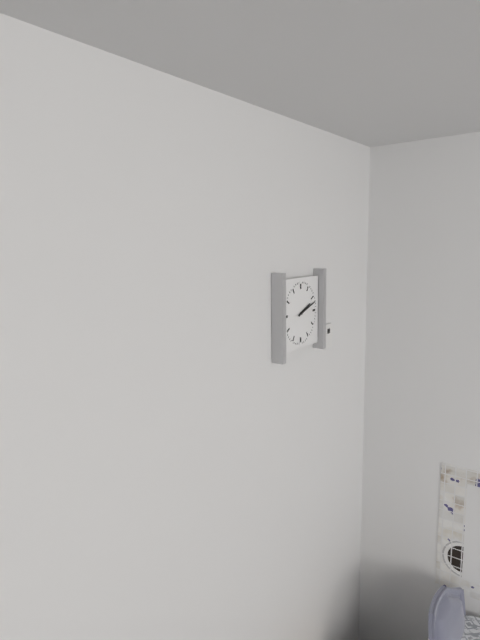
2:12
